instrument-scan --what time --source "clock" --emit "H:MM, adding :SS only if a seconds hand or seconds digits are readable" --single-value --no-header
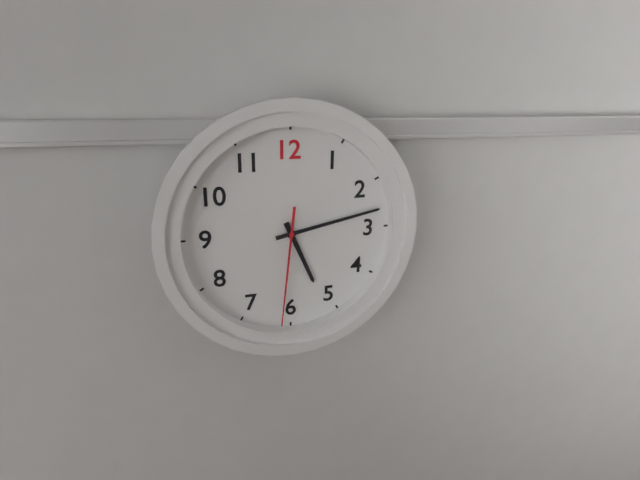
5:13:31
